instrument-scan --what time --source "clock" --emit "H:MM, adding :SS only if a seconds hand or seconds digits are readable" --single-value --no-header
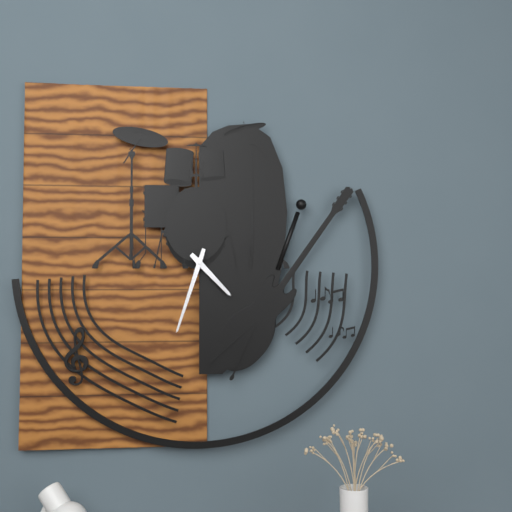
4:33
